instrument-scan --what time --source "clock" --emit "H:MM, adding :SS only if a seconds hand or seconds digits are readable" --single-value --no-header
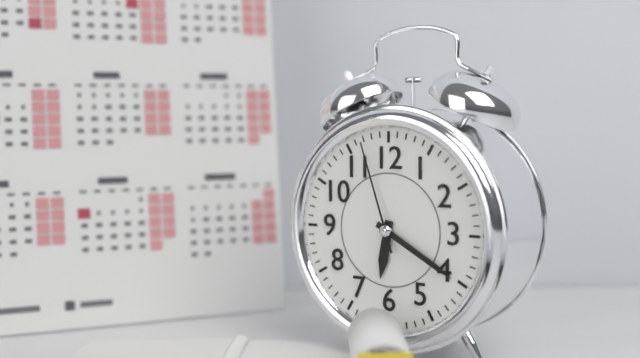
6:20:57
